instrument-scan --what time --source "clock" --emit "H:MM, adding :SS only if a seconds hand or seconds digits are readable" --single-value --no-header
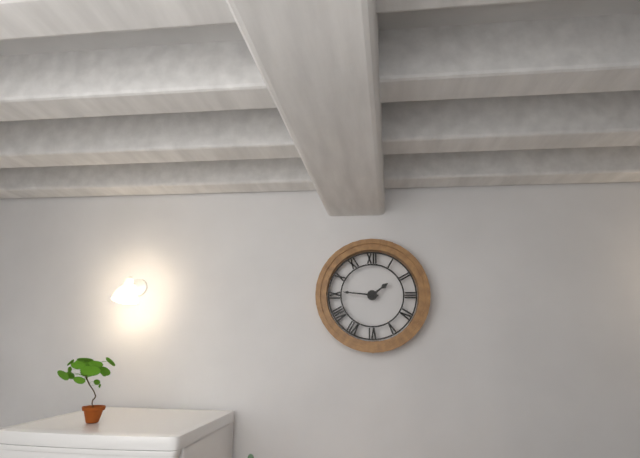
1:46
